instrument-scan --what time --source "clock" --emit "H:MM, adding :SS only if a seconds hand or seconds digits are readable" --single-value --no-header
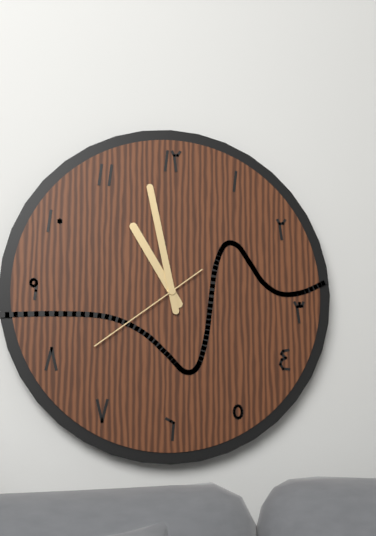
10:58:39
